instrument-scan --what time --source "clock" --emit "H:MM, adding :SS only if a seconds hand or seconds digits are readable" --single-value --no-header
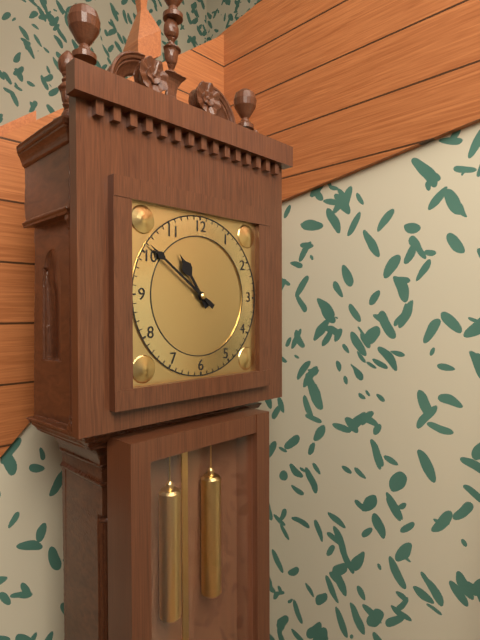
10:51
